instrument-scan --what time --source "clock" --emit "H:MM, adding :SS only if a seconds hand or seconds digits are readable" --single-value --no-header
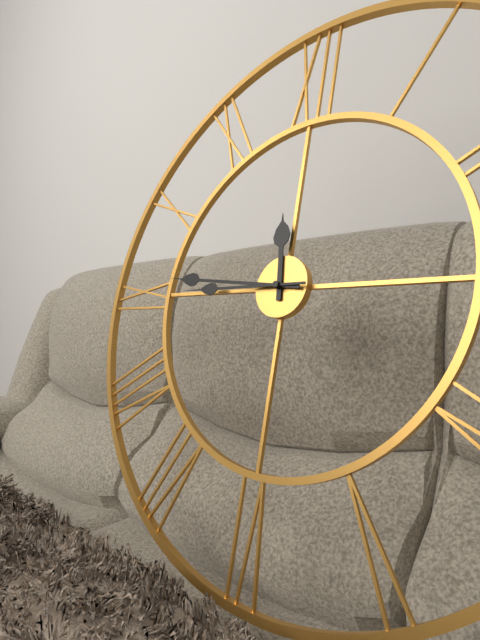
11:46:45
